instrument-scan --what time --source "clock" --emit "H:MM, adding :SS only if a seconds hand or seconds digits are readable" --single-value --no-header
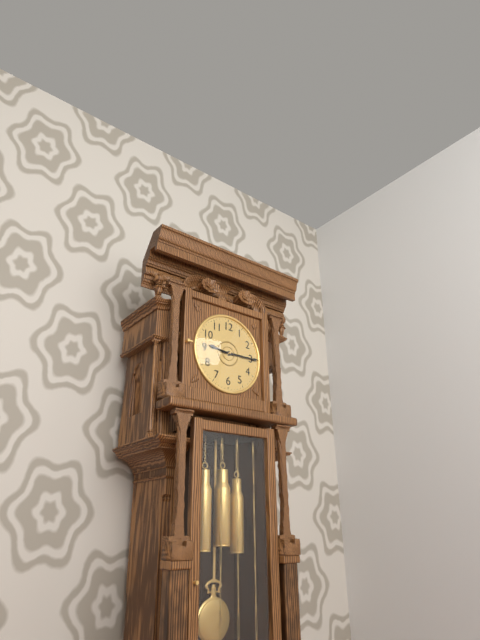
9:15
